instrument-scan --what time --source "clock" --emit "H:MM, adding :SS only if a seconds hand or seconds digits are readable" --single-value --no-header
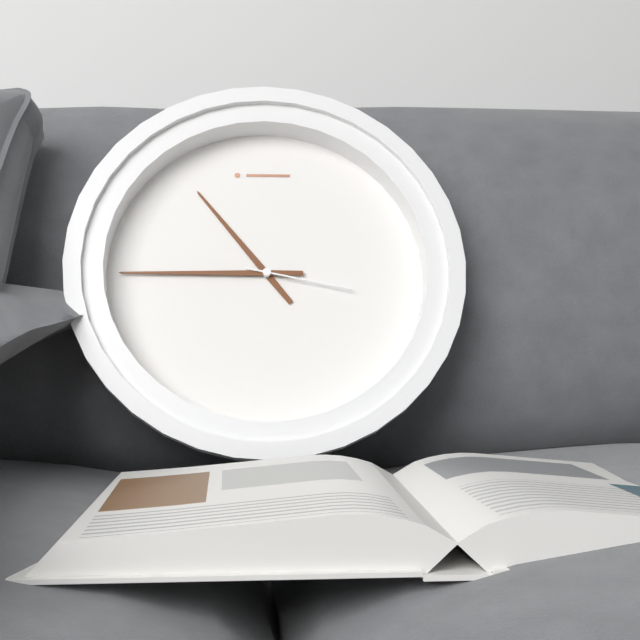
10:45:17
